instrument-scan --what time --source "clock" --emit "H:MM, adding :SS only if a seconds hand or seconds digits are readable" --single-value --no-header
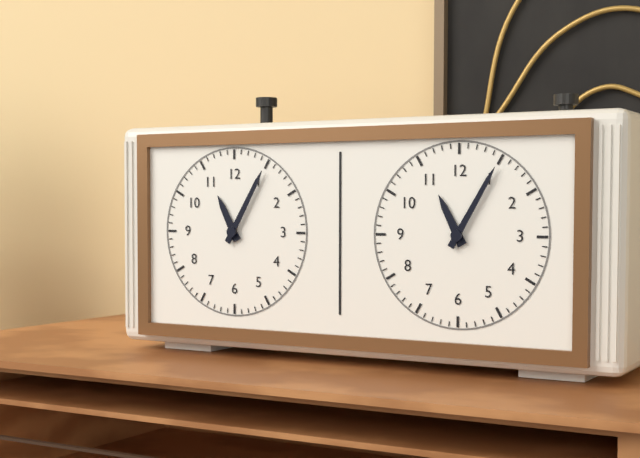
11:05
